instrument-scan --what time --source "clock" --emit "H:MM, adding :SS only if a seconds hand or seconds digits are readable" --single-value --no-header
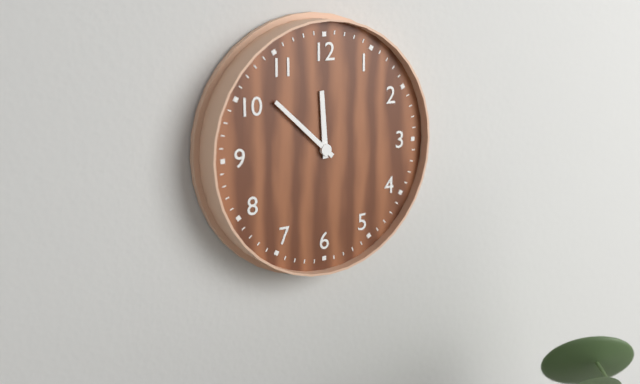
11:52
